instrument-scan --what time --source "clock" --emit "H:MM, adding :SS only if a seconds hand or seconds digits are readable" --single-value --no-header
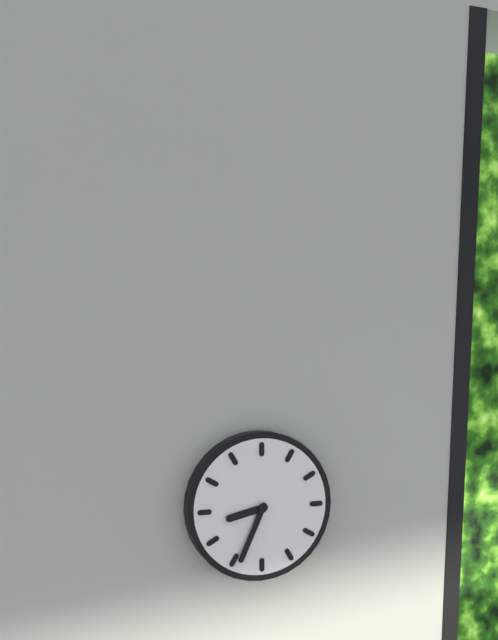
8:34
